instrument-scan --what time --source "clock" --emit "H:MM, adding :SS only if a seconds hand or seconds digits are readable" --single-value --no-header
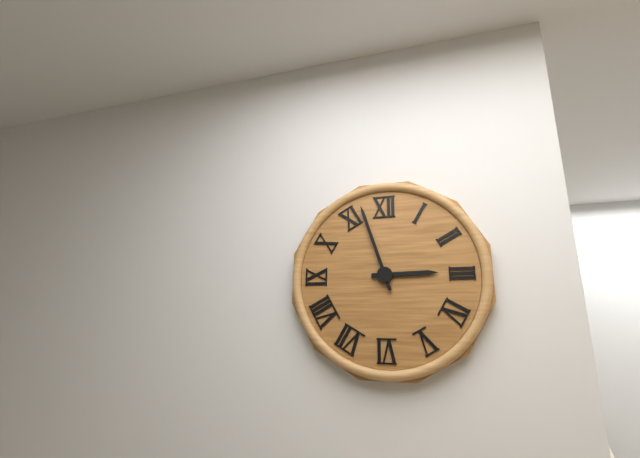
2:57
